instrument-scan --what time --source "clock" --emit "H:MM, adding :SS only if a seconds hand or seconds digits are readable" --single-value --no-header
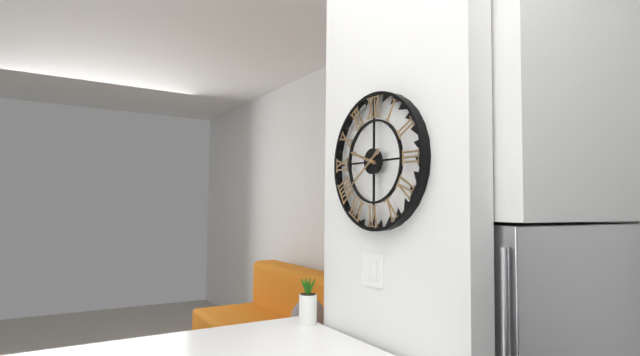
9:39
